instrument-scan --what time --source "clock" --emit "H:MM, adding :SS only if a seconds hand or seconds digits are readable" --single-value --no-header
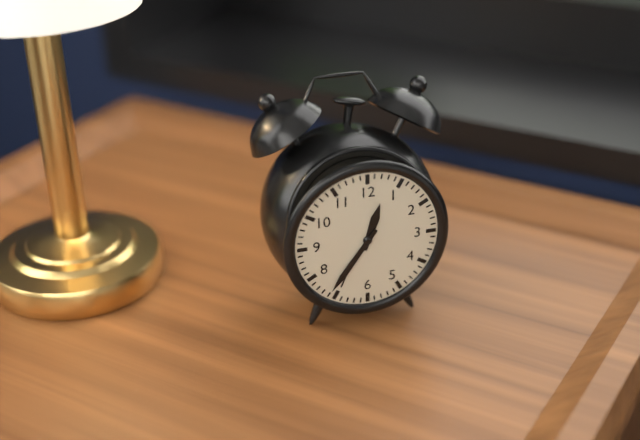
12:36
